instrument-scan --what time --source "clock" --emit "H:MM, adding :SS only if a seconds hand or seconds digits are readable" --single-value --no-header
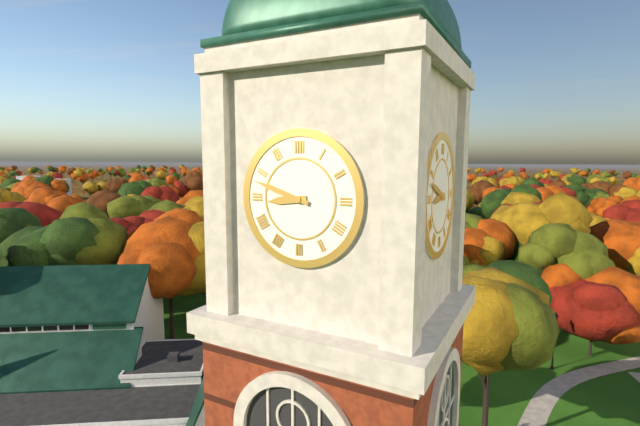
8:48
